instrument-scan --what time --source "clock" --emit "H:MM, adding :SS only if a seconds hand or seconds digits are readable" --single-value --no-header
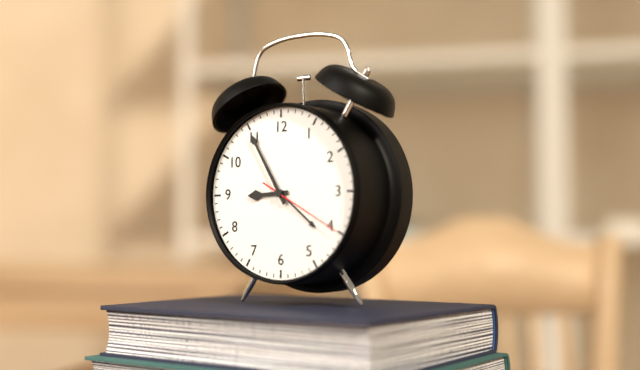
8:55:20
